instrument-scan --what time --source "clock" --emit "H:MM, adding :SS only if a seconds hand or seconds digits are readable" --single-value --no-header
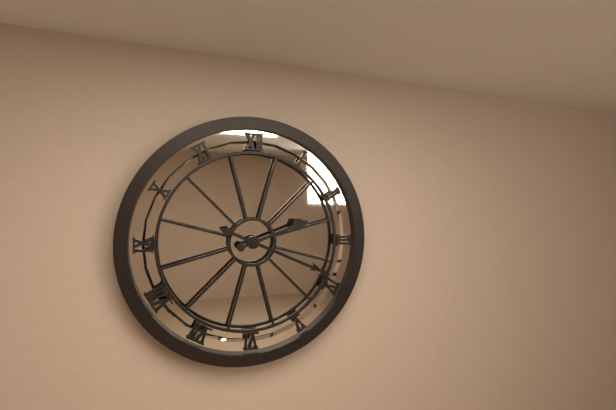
2:19
